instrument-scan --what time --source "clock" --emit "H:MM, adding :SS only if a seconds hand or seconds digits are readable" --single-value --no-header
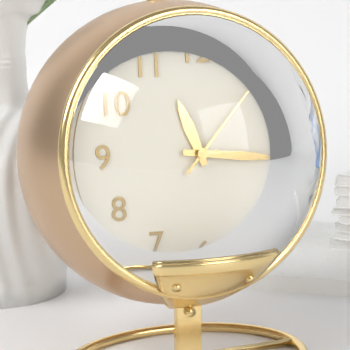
11:16:07
